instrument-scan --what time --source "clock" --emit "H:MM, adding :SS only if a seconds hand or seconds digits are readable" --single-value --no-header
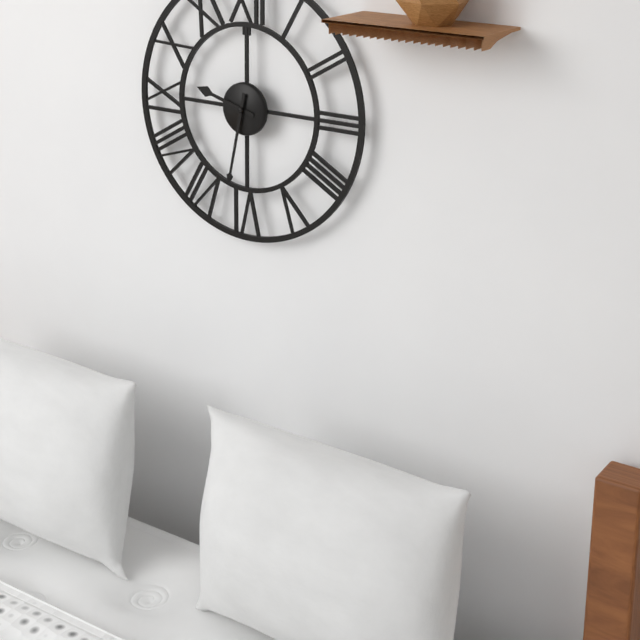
9:32
